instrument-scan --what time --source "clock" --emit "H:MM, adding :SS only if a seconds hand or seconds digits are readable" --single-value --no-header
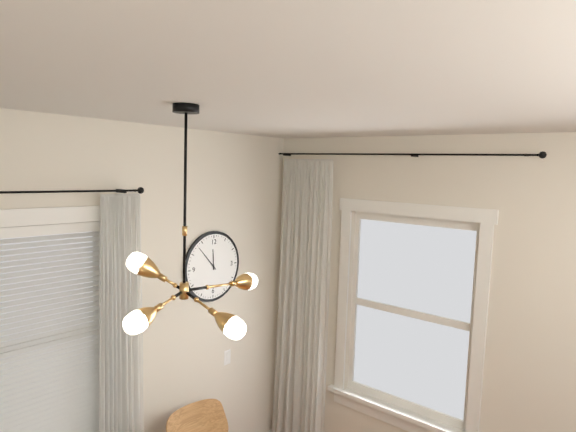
11:53
